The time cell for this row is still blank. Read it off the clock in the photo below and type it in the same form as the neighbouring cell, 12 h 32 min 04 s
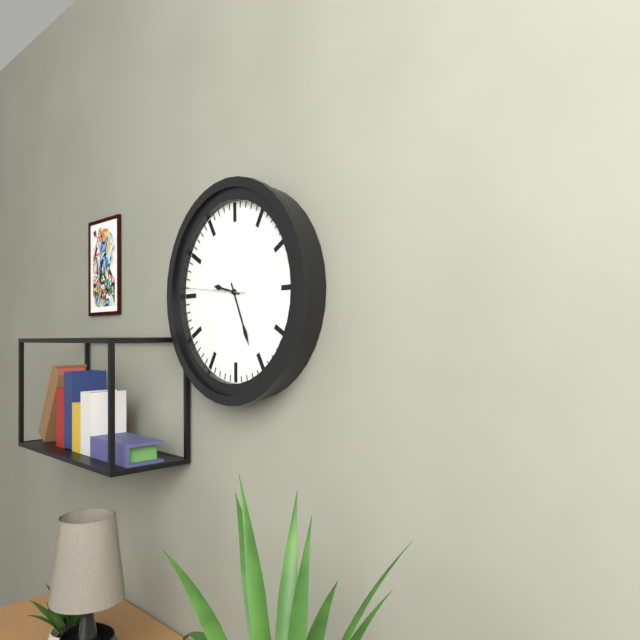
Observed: 9 h 26 min 46 s
